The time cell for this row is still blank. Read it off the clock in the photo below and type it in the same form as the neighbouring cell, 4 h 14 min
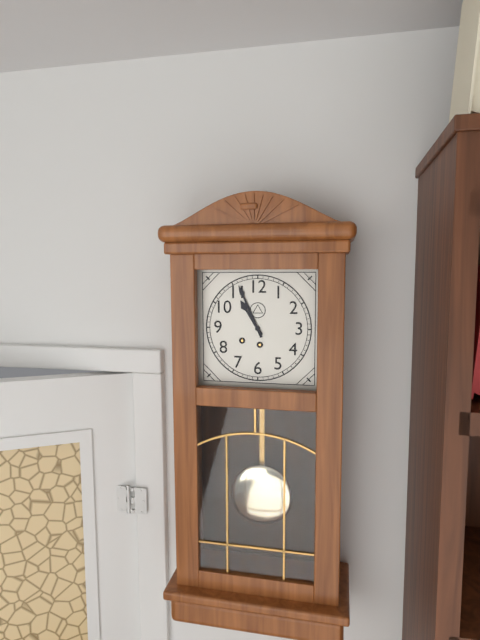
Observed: 10 h 56 min
